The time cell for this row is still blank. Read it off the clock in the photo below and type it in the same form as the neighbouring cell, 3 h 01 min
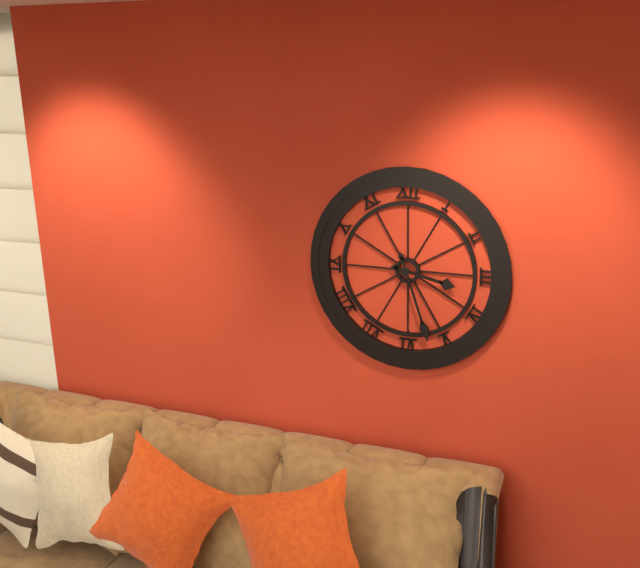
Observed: 3 h 27 min
